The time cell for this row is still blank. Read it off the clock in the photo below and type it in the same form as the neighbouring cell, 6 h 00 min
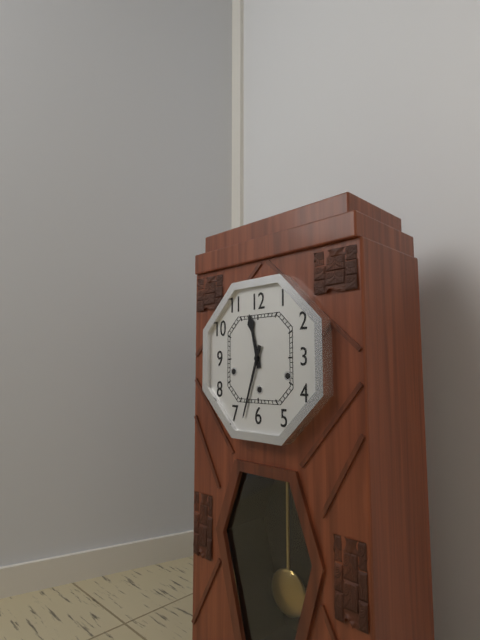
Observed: 11 h 33 min
